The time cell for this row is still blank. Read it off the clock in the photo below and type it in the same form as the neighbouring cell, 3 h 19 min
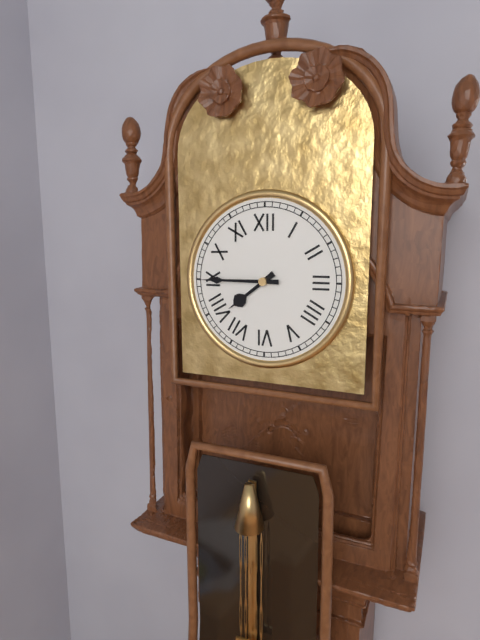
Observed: 7 h 45 min
